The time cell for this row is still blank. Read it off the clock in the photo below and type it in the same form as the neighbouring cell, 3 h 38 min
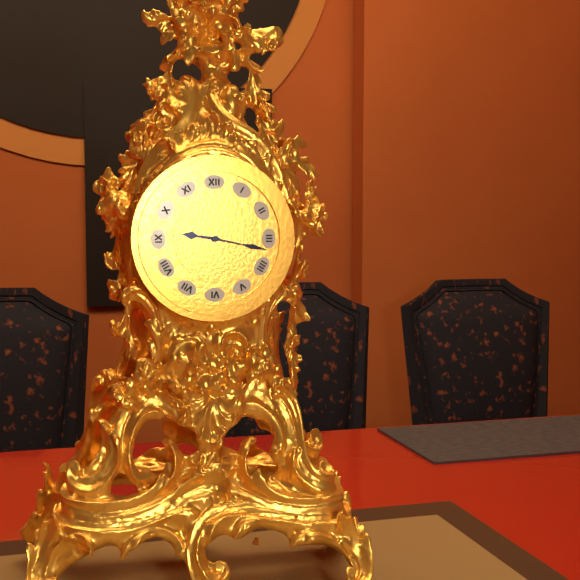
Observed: 9 h 17 min
